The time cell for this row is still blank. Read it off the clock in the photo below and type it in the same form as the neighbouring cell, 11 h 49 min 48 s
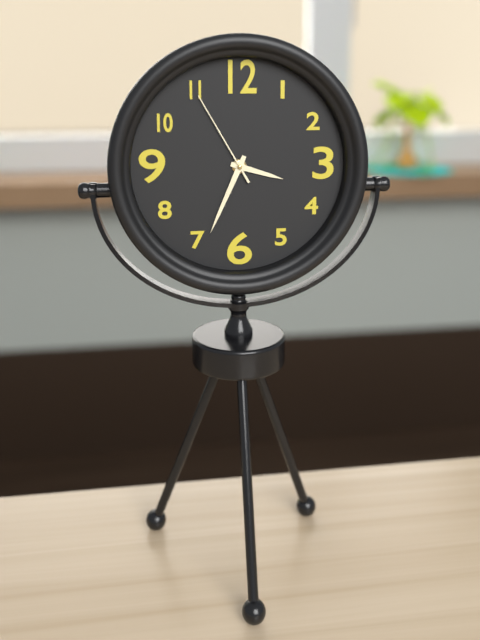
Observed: 3 h 34 min 55 s
